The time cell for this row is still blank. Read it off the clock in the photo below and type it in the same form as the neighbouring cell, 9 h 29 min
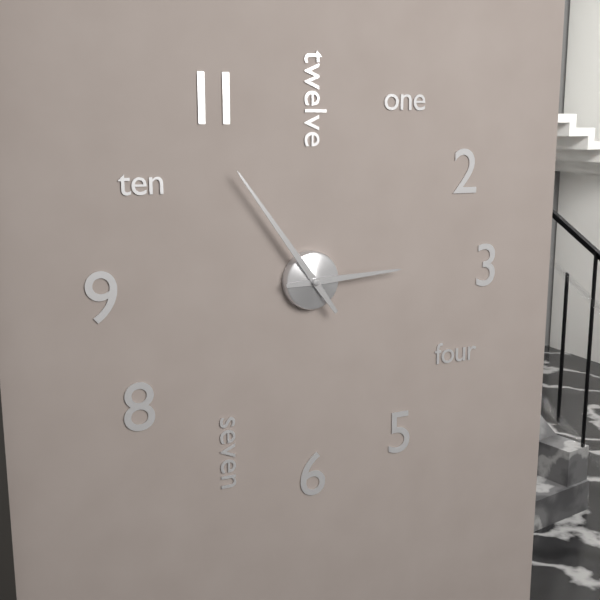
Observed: 2 h 54 min
